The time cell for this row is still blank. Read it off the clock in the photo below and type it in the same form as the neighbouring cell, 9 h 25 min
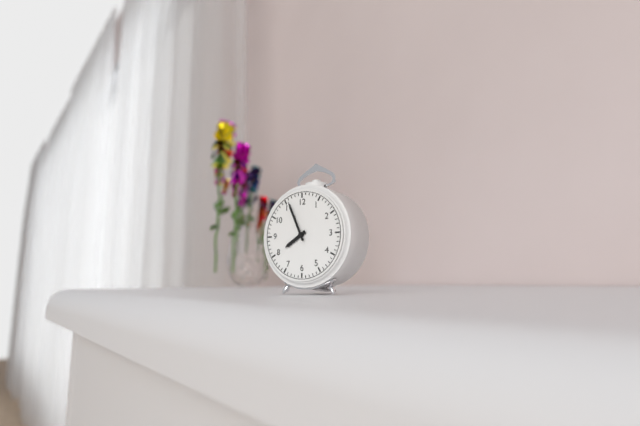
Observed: 7 h 56 min
